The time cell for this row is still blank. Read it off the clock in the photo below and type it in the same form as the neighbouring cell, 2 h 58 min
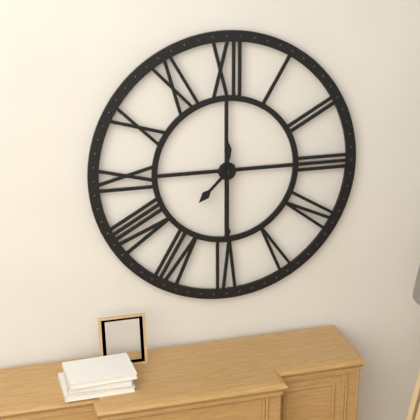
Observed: 7 h 30 min
